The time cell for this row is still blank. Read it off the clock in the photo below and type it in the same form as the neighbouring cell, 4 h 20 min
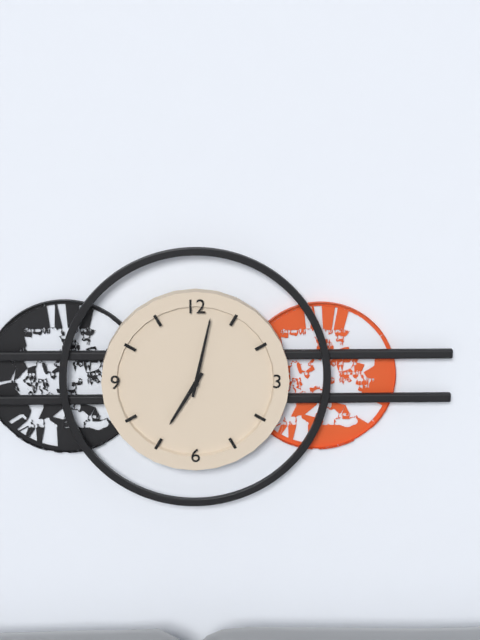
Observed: 7 h 02 min
